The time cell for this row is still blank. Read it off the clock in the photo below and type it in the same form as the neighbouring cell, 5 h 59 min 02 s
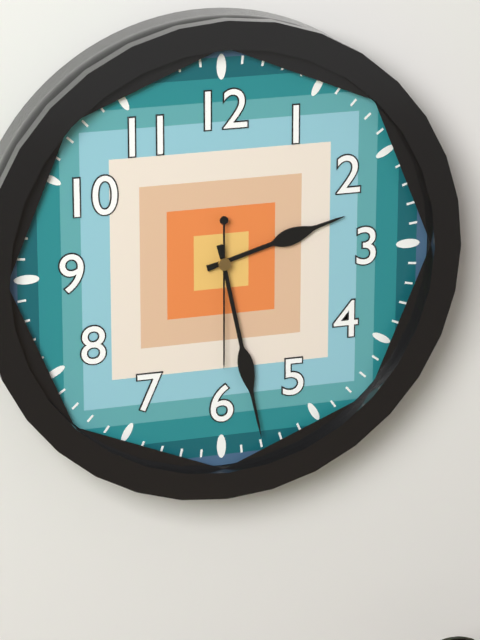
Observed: 2 h 28 min 30 s
